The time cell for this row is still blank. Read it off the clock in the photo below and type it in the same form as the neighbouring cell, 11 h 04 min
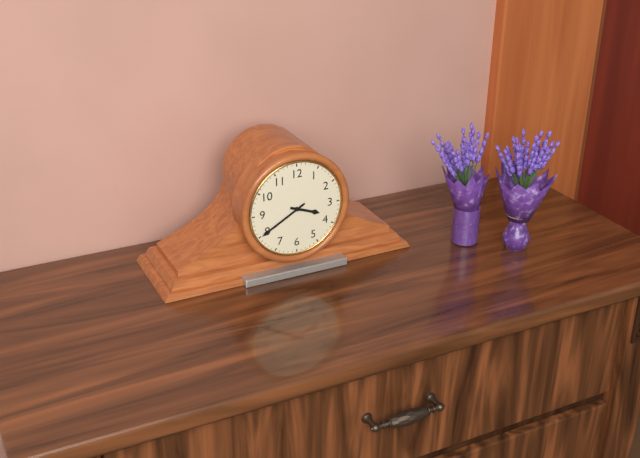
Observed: 3 h 40 min
